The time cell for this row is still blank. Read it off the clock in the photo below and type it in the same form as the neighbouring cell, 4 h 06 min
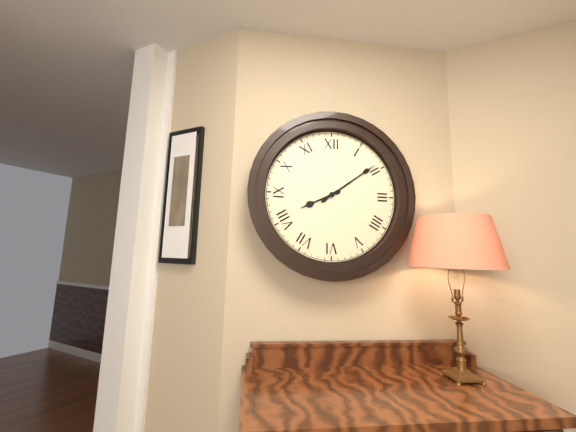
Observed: 8 h 09 min
